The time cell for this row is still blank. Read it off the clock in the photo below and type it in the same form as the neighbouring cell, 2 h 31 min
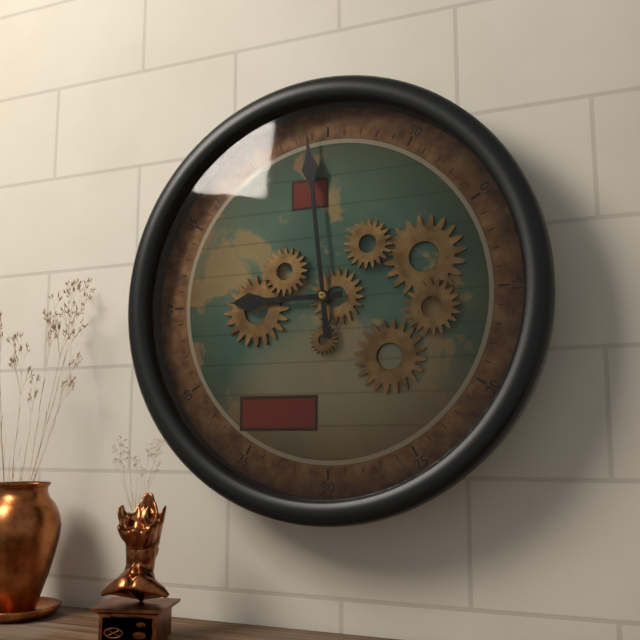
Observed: 8 h 59 min
